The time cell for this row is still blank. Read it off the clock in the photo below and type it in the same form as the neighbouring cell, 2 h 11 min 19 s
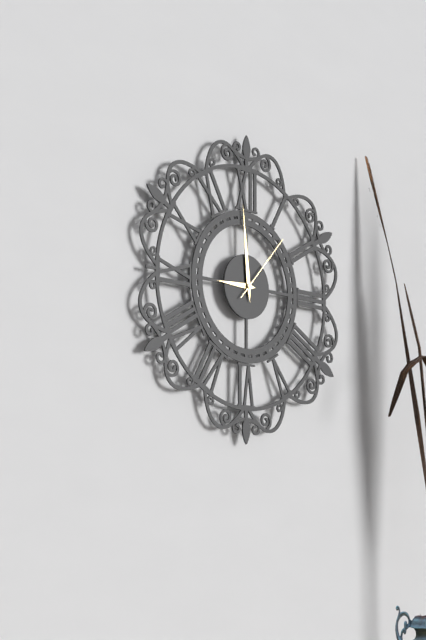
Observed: 8 h 59 min 07 s
